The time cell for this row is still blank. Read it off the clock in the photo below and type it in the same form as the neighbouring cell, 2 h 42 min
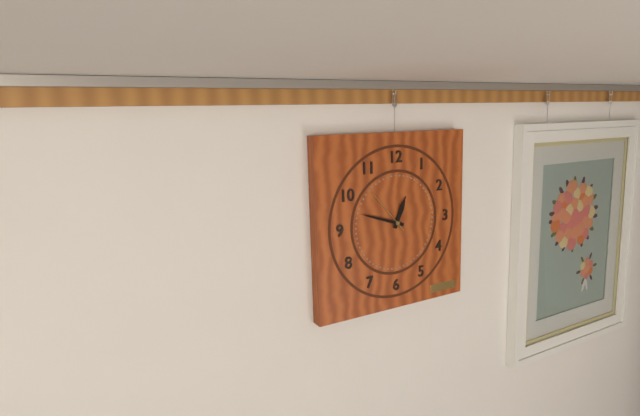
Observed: 12 h 48 min
